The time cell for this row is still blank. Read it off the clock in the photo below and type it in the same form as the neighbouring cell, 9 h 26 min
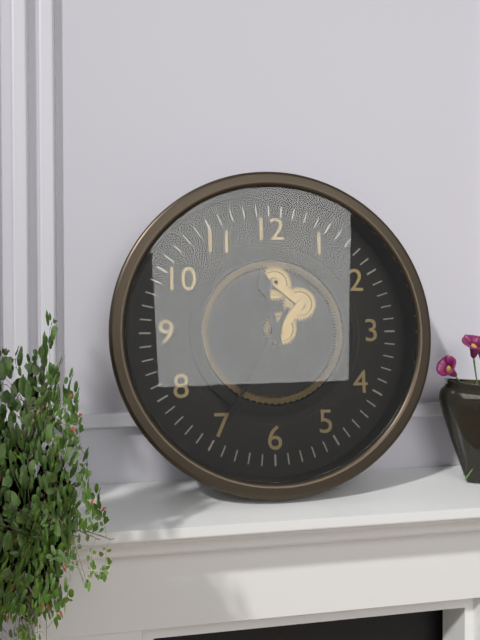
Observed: 11 h 35 min
